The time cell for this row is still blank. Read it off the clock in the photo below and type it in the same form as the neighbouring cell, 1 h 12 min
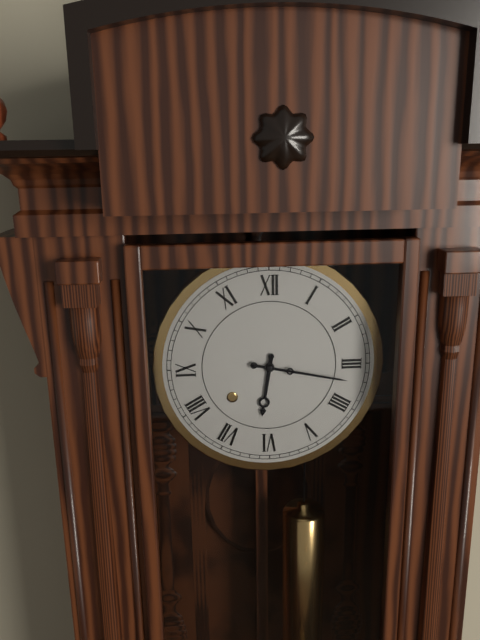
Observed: 6 h 17 min
